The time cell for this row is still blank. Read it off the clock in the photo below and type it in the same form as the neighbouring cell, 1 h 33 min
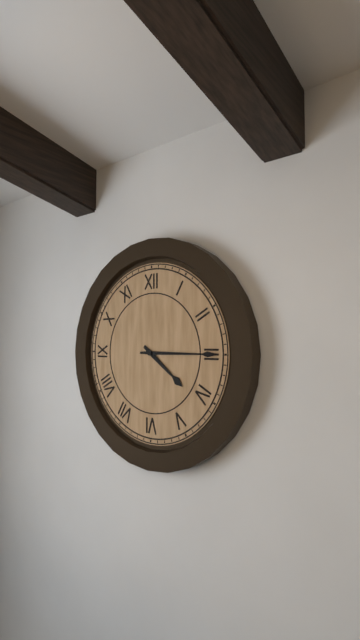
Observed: 4 h 15 min
